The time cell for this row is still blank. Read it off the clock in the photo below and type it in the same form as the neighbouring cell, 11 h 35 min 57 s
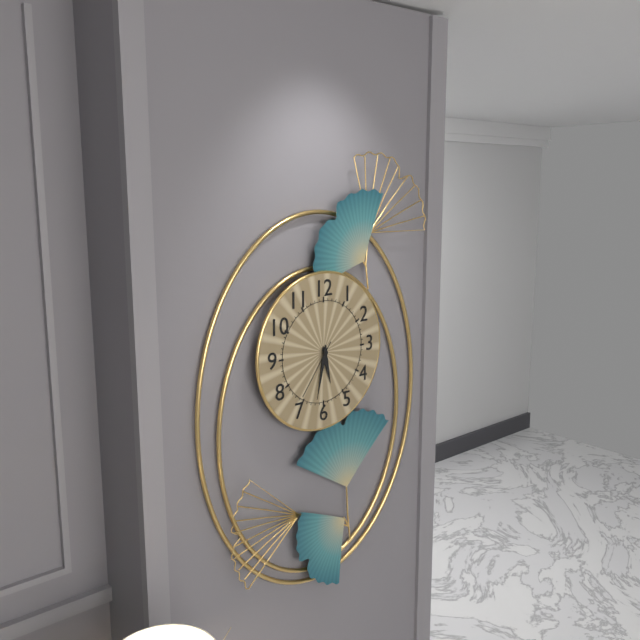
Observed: 5 h 32 min 36 s
